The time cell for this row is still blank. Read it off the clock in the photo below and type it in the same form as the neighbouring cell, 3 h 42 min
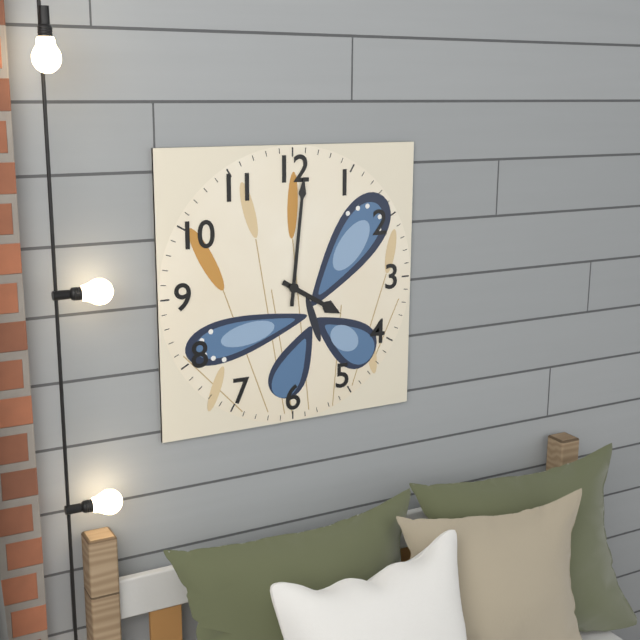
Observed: 4 h 01 min
